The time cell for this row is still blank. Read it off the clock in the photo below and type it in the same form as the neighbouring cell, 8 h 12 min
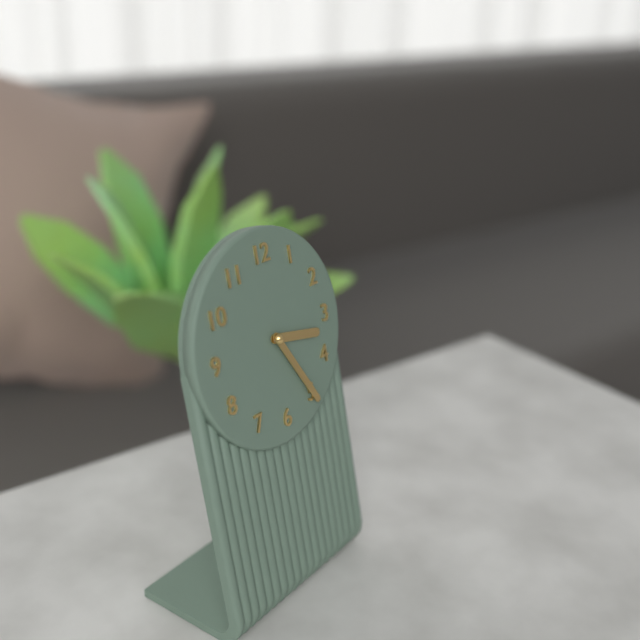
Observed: 3 h 25 min
